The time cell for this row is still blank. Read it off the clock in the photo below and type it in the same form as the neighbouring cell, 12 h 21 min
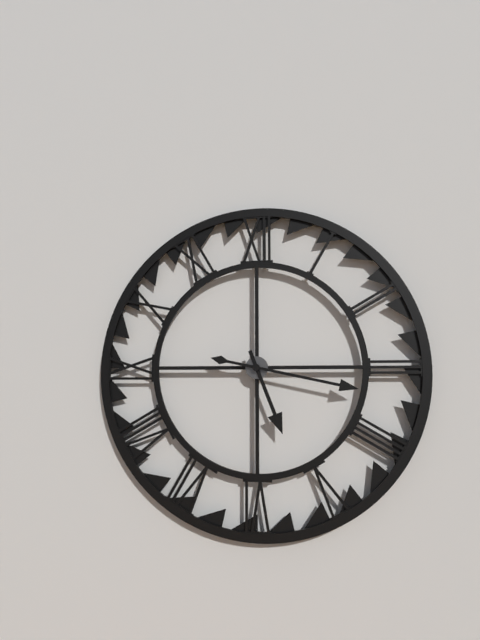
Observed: 5 h 17 min
